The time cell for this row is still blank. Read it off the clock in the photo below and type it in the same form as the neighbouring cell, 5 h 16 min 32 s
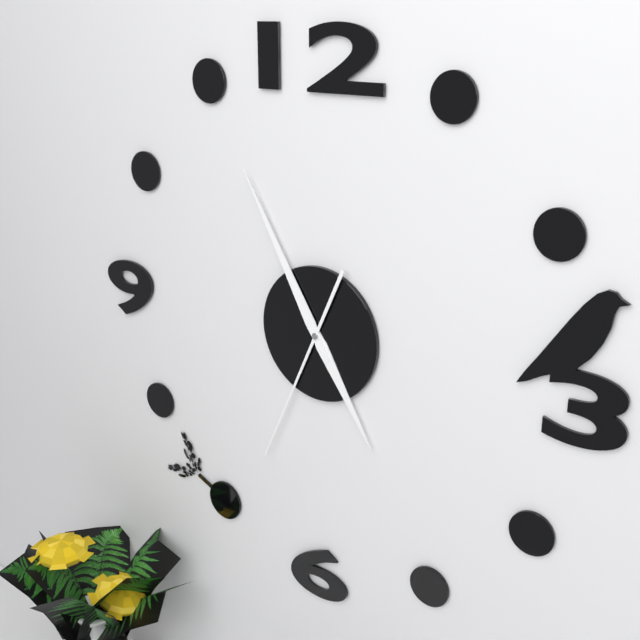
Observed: 4 h 55 min 34 s
